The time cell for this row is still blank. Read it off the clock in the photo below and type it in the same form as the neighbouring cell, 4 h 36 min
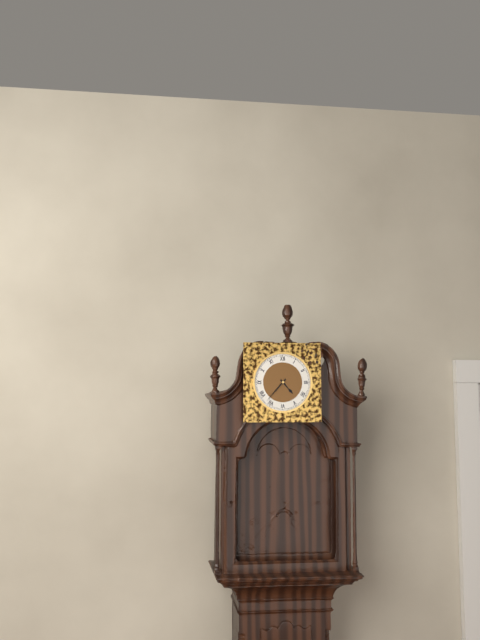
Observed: 4 h 37 min
